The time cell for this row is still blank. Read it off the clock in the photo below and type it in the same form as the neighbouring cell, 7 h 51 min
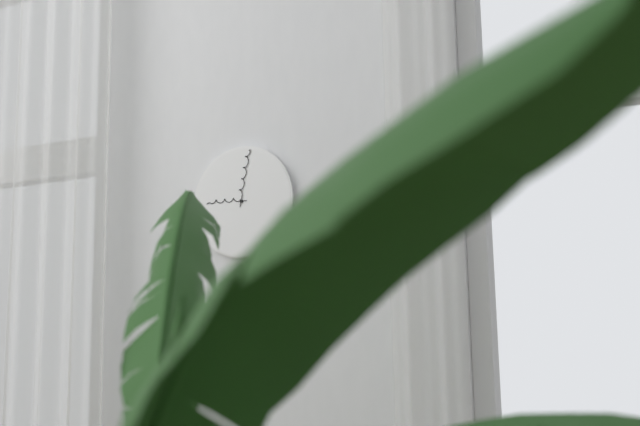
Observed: 9 h 02 min
